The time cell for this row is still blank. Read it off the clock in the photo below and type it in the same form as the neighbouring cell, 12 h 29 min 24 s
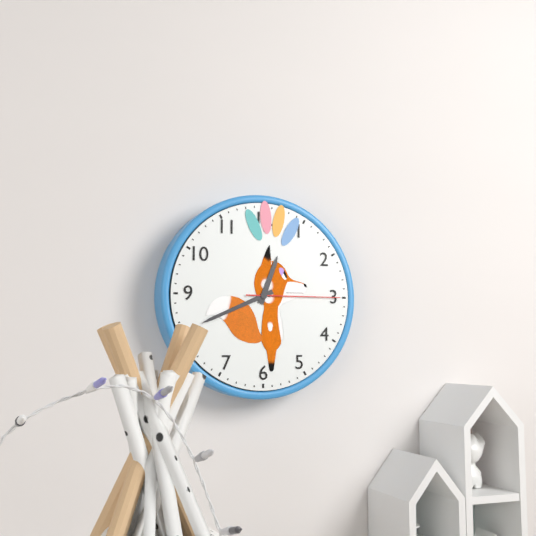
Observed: 12 h 41 min 15 s
